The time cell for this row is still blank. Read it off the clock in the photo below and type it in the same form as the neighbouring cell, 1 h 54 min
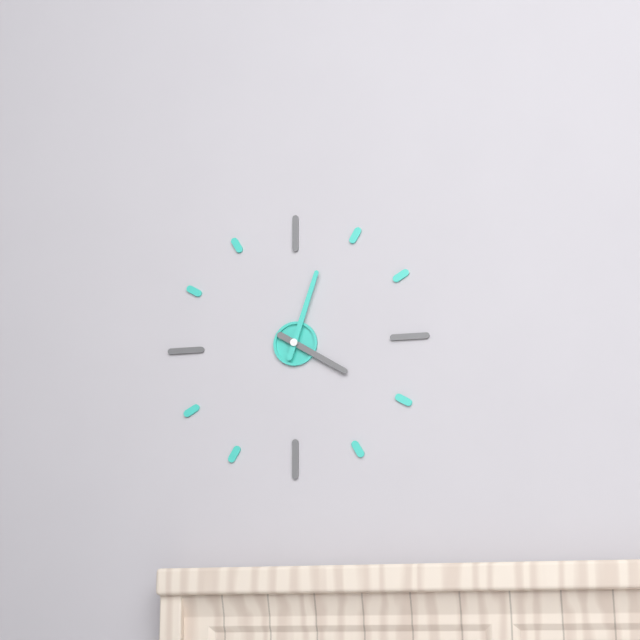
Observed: 4 h 03 min
